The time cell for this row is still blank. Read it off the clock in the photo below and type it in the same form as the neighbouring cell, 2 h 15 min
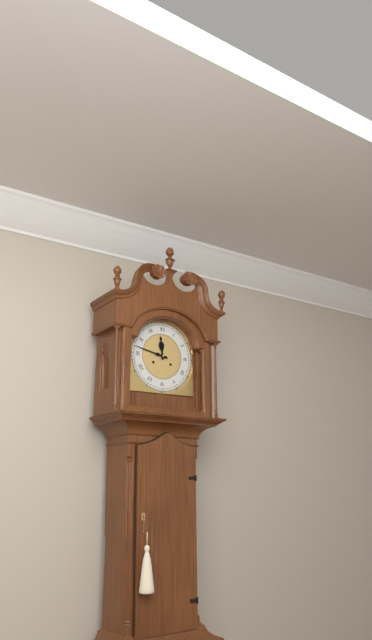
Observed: 11 h 47 min
